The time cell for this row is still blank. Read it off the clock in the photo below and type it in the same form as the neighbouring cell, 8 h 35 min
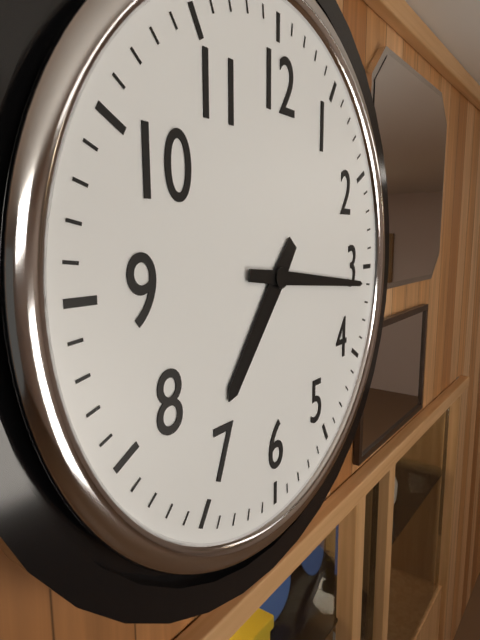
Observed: 7 h 16 min
